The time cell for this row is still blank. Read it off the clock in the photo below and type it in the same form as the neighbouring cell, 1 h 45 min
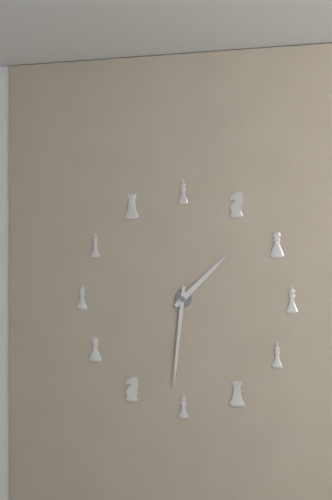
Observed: 1 h 31 min
